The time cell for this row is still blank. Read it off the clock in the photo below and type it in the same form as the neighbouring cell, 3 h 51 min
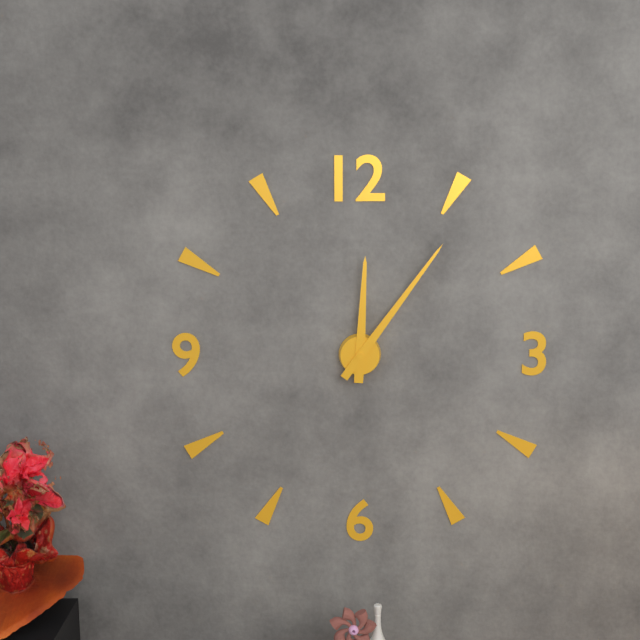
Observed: 12 h 06 min
